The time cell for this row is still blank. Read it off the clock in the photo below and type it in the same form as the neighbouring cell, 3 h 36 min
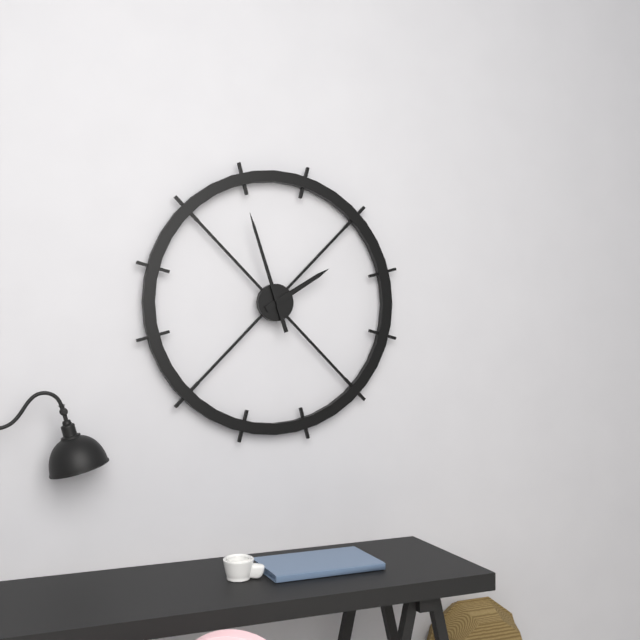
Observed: 1 h 57 min
